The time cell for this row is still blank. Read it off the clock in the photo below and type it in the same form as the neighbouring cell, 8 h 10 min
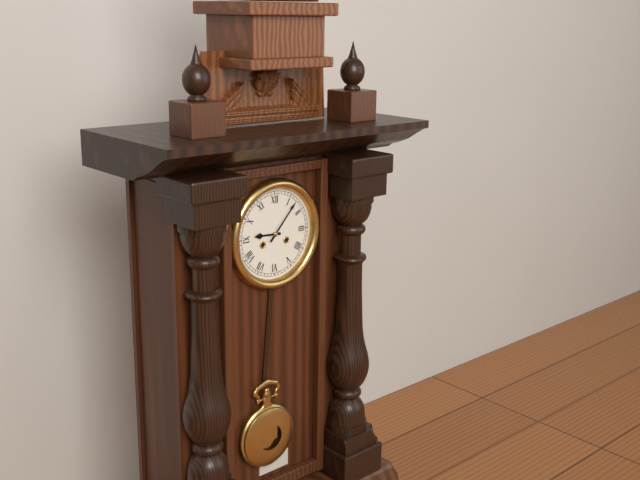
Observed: 9 h 07 min
